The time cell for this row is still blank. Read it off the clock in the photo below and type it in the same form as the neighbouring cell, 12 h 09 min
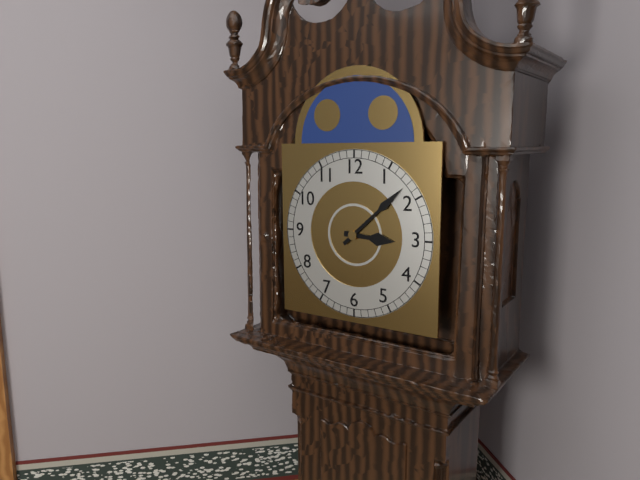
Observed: 3 h 08 min
